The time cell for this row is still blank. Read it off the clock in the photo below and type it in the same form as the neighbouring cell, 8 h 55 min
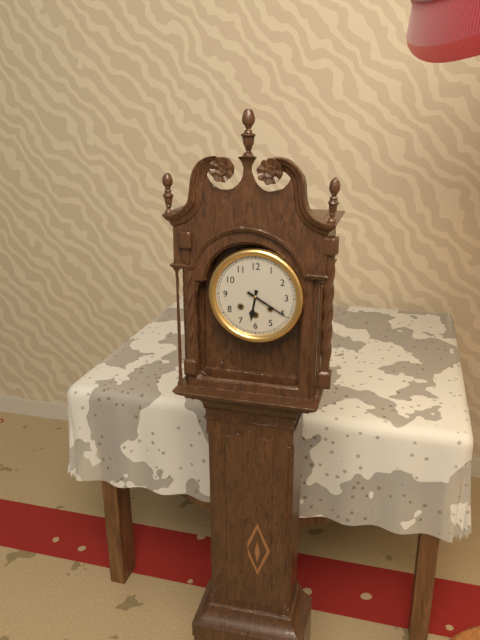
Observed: 6 h 20 min
